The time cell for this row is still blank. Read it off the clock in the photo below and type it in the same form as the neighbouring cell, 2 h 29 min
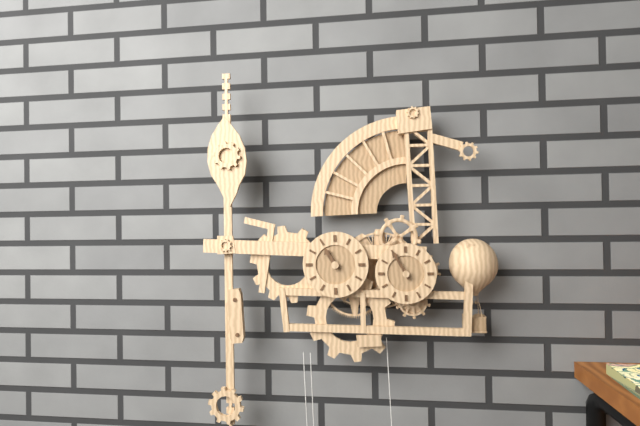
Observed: 10 h 55 min
